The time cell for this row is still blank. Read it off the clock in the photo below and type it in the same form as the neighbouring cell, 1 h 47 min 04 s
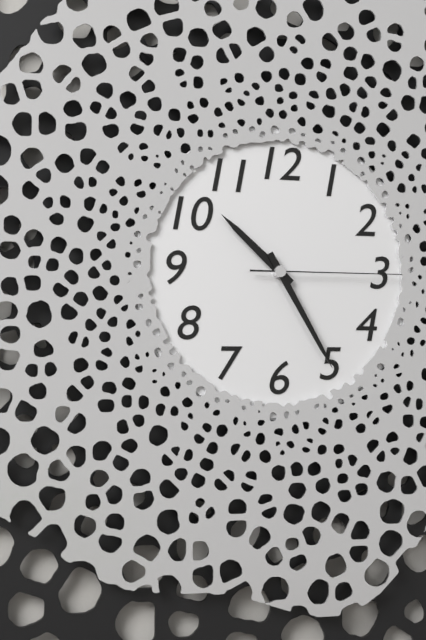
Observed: 10 h 25 min 15 s
